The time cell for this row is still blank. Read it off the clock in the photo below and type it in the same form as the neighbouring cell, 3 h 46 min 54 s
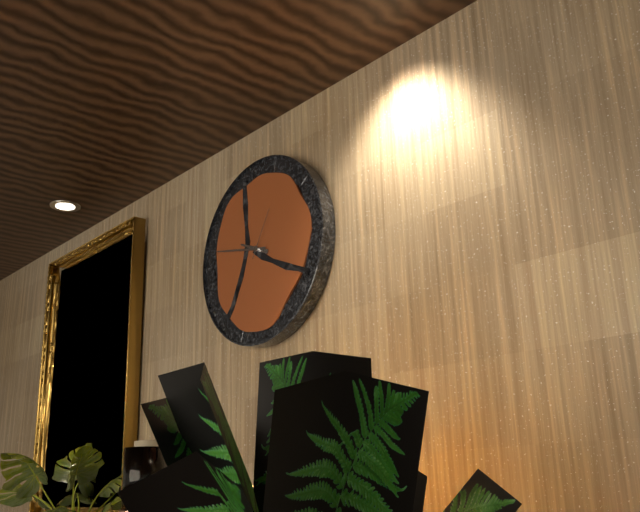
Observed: 9 h 47 min 05 s
